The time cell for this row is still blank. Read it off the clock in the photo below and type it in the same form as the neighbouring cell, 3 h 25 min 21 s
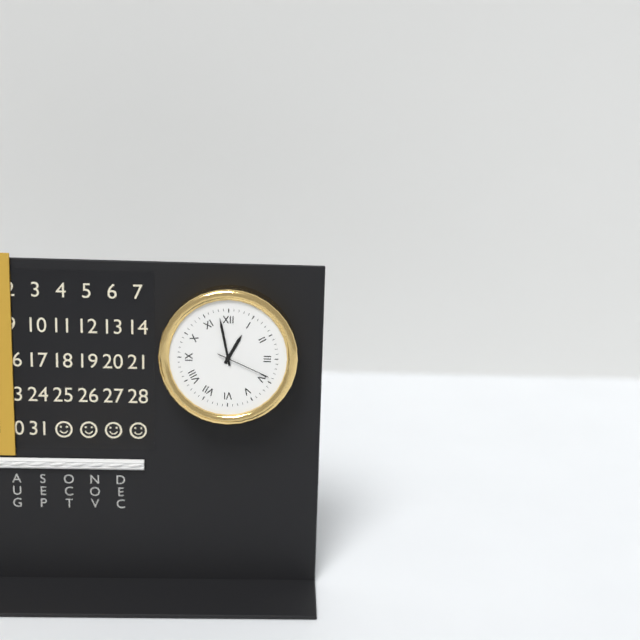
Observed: 12 h 58 min 19 s
